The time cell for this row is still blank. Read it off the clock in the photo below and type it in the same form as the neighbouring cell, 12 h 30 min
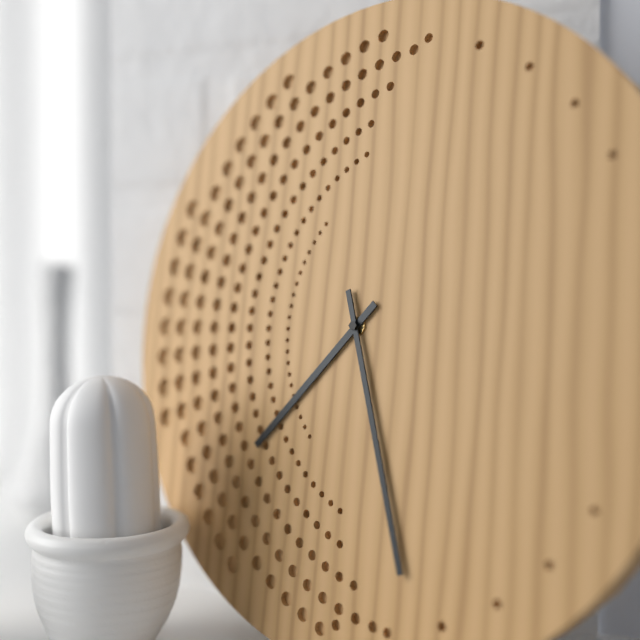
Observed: 7 h 27 min
